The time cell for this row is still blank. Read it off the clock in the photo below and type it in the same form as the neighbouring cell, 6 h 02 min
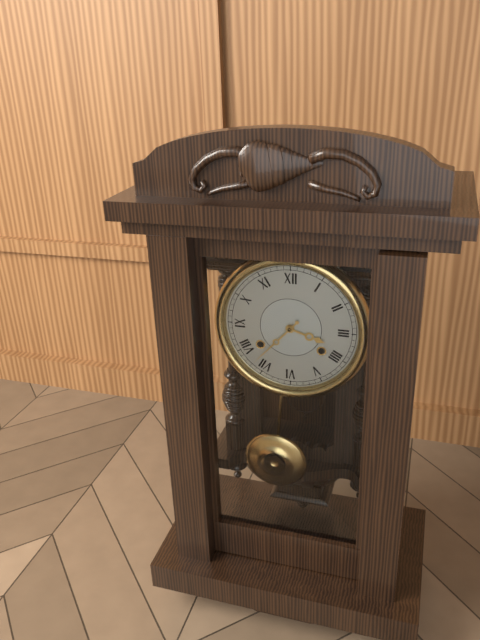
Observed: 3 h 37 min
